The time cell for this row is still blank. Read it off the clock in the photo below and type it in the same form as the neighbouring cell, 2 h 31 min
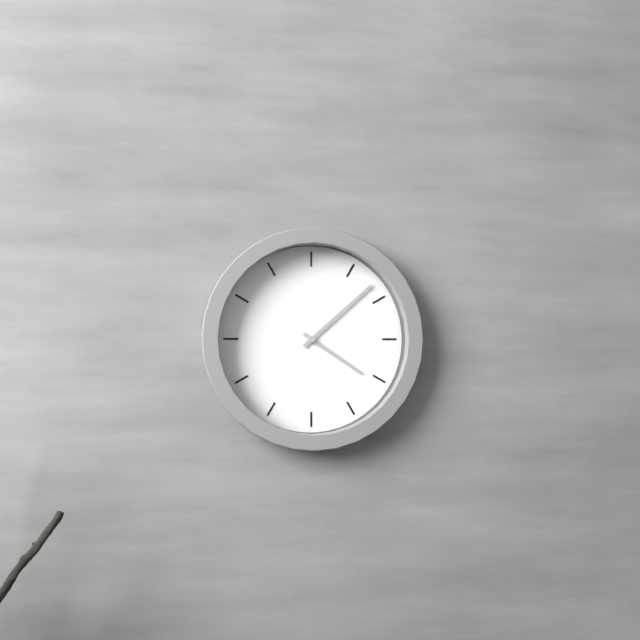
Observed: 4 h 08 min
